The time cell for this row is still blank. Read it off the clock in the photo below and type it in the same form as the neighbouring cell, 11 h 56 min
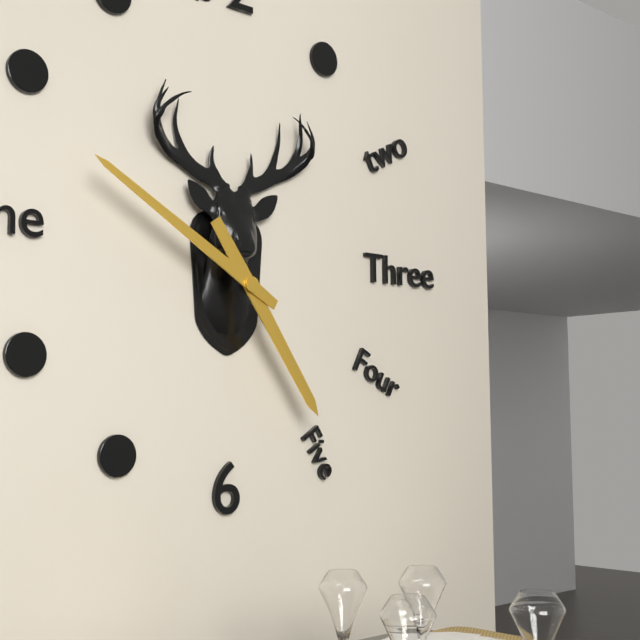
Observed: 4 h 50 min
